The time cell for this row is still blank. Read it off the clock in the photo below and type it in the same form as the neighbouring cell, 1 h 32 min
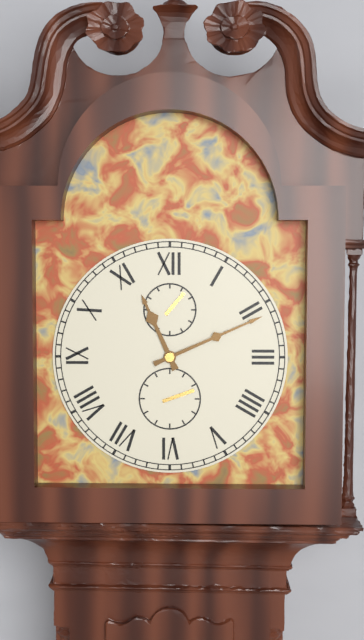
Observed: 11 h 11 min
